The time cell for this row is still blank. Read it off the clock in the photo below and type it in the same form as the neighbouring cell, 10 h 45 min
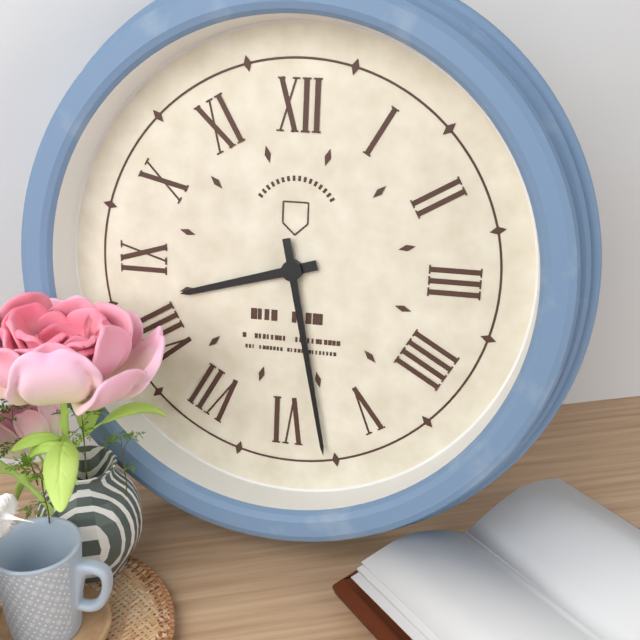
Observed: 8 h 28 min
